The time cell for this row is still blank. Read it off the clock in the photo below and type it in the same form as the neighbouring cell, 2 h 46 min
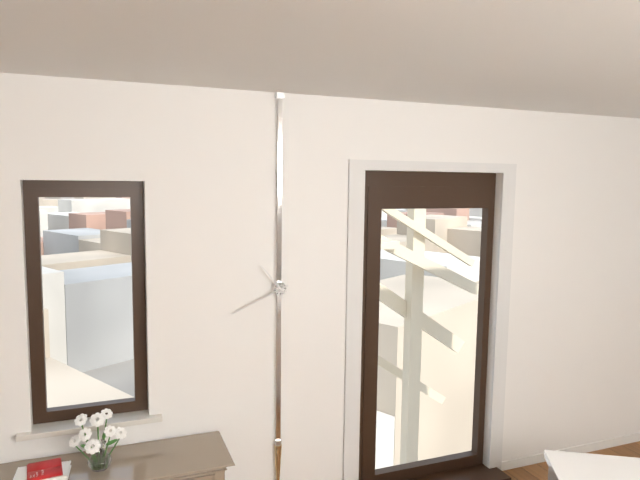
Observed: 10 h 41 min
